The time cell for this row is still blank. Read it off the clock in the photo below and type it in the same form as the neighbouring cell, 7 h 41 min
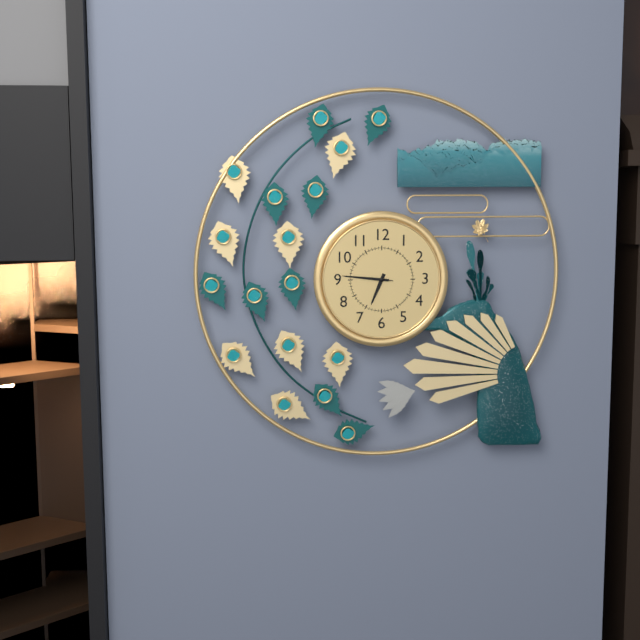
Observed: 6 h 46 min
